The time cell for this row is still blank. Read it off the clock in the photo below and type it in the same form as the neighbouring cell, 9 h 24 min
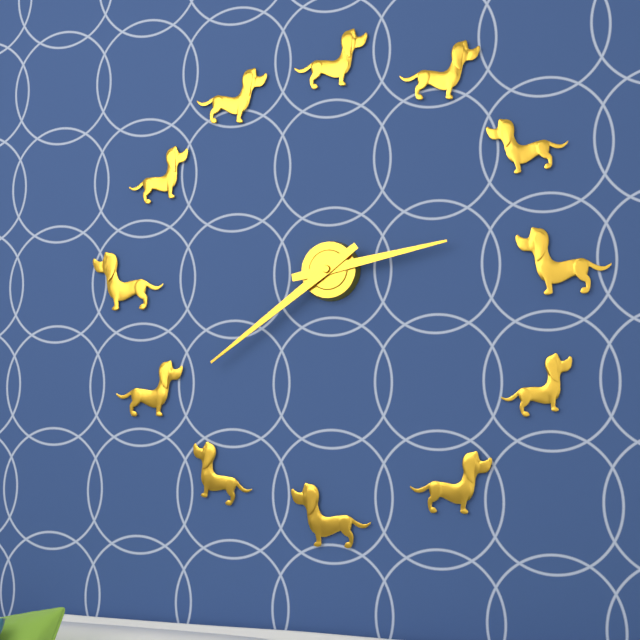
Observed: 2 h 39 min
